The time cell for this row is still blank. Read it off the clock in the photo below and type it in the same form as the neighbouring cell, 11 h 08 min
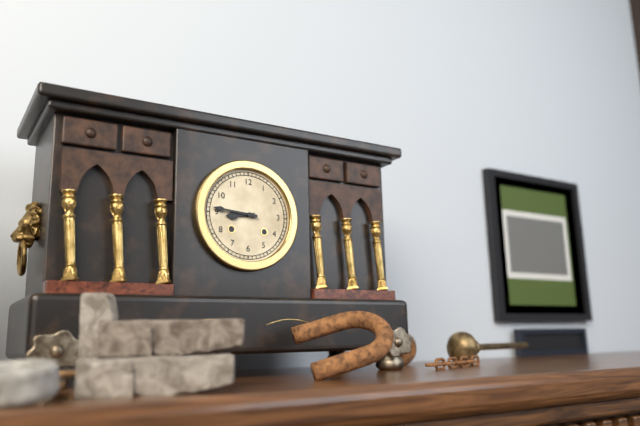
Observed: 8 h 46 min
